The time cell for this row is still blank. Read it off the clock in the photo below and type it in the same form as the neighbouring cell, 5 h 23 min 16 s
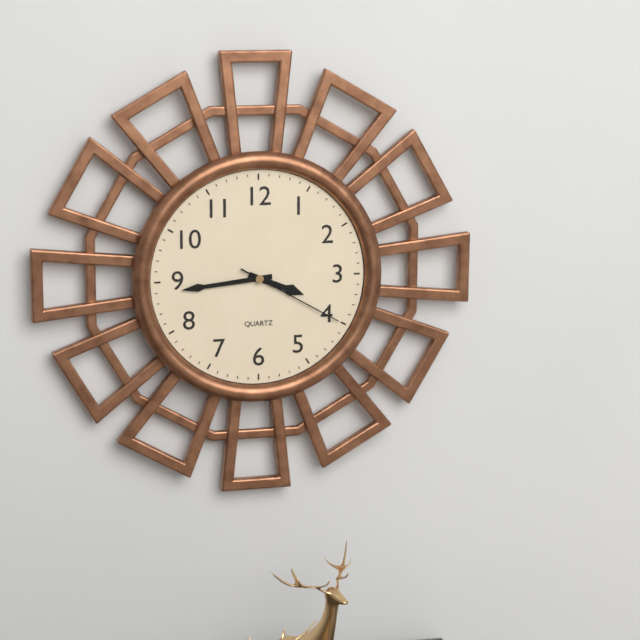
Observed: 3 h 44 min 20 s
